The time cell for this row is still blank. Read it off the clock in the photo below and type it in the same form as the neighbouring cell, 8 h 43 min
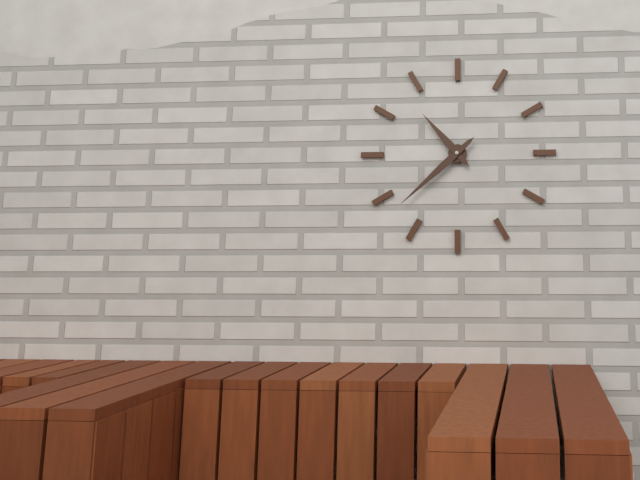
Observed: 10 h 38 min
